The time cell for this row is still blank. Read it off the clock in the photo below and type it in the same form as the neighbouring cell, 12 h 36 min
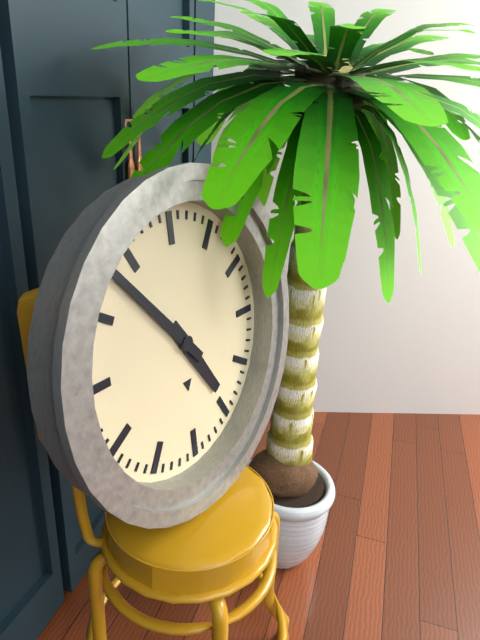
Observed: 4 h 53 min
